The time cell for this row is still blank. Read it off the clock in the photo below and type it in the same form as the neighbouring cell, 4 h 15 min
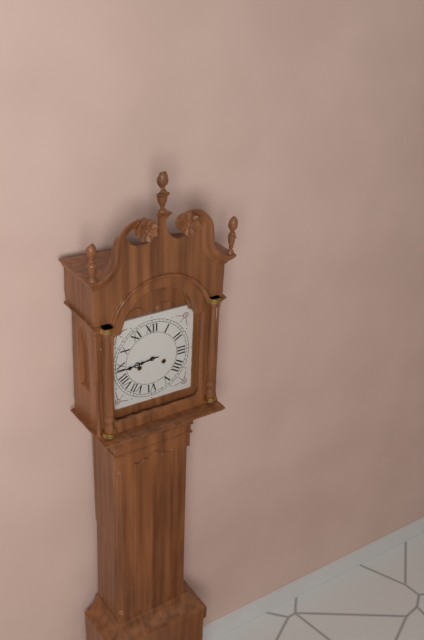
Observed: 8 h 44 min
